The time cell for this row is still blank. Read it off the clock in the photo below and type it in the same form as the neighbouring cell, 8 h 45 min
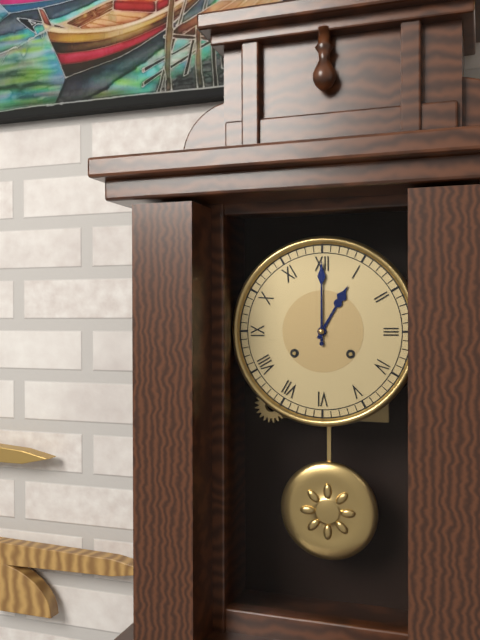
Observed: 1 h 00 min
